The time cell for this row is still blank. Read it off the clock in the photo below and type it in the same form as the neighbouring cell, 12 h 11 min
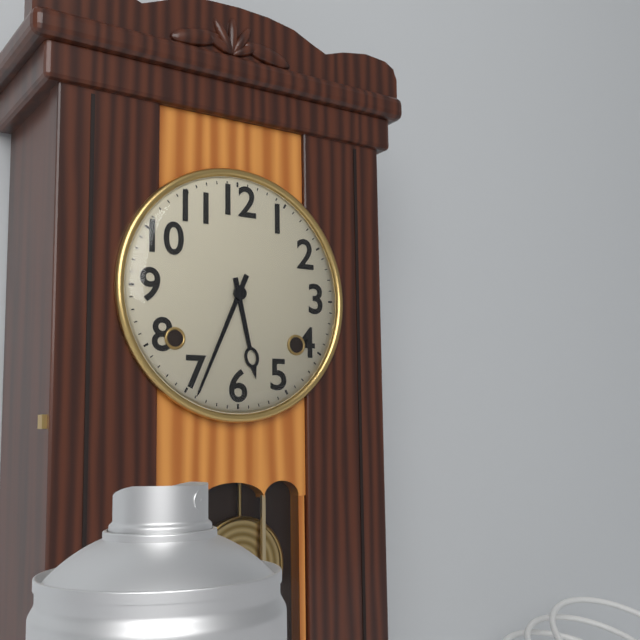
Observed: 5 h 34 min
